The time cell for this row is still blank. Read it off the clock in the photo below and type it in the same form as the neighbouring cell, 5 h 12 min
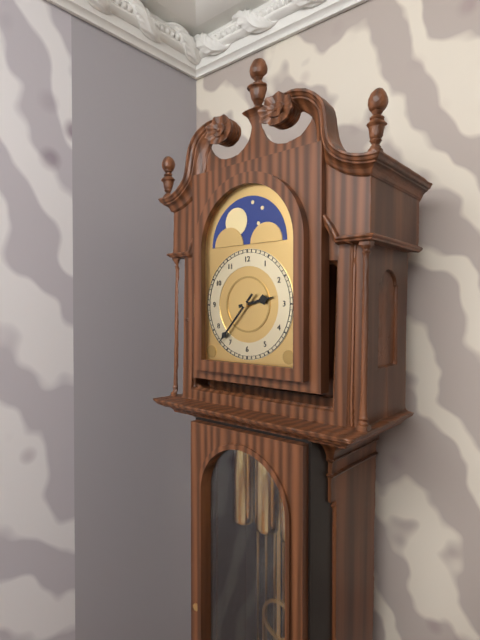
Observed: 2 h 37 min
